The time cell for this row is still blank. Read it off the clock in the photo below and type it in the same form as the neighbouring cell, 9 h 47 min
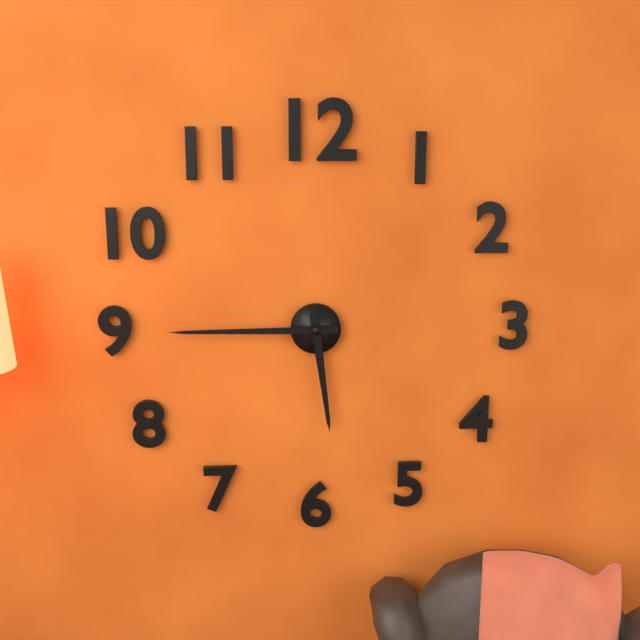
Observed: 5 h 45 min
